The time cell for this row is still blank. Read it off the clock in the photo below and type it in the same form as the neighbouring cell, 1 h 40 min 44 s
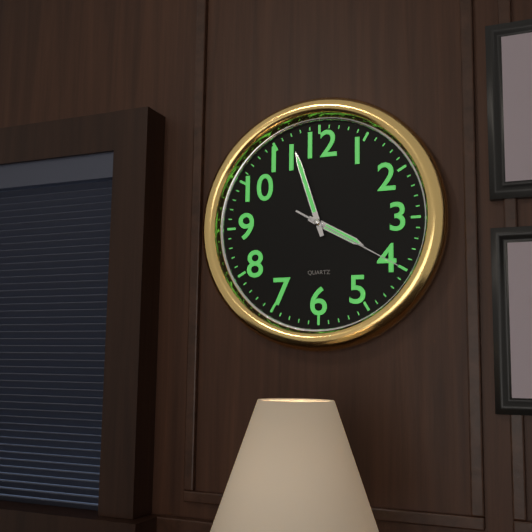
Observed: 3 h 57 min 20 s
